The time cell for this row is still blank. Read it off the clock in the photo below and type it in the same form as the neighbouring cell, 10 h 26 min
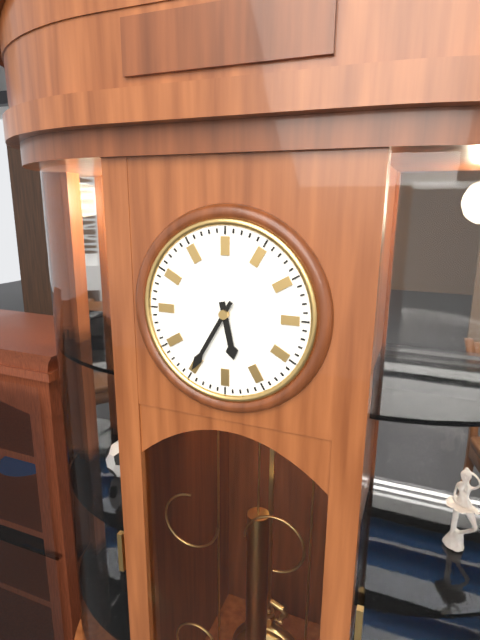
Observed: 5 h 35 min
